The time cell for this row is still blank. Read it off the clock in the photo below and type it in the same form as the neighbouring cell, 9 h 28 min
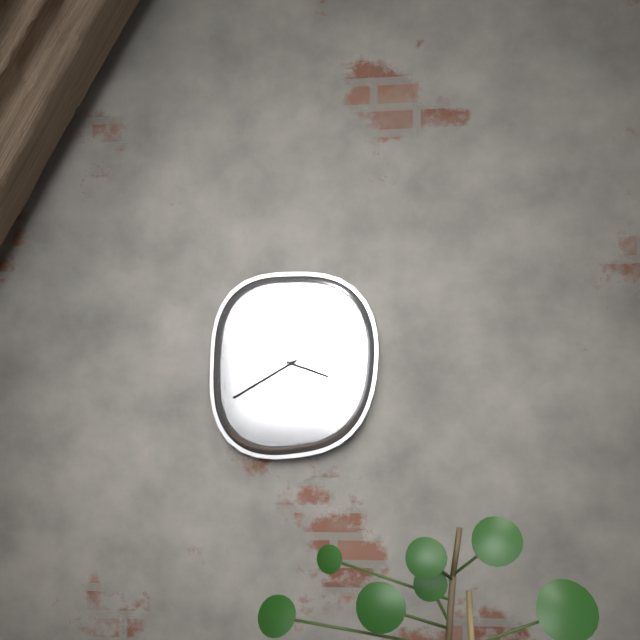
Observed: 3 h 40 min
